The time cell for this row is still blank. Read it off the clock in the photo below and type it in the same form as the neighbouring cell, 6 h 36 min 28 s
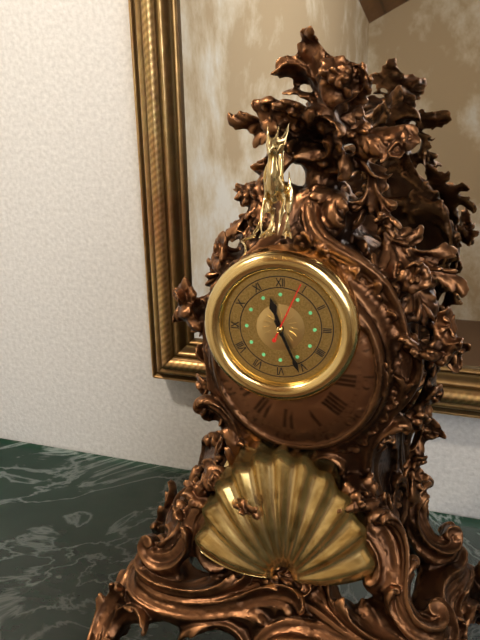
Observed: 11 h 26 min 04 s
